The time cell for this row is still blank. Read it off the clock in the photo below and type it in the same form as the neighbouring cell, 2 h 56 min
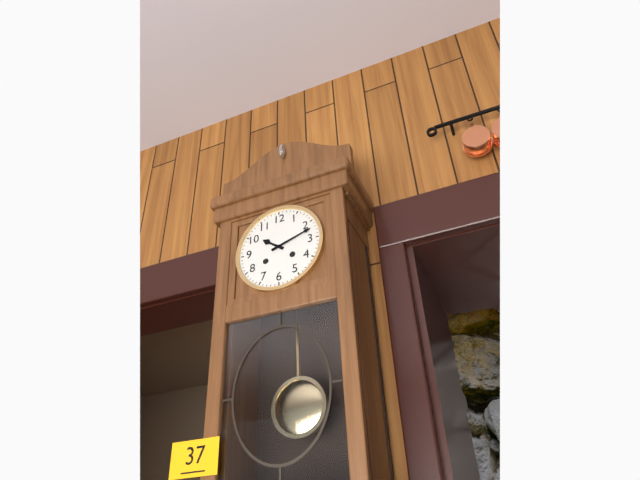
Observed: 10 h 12 min
